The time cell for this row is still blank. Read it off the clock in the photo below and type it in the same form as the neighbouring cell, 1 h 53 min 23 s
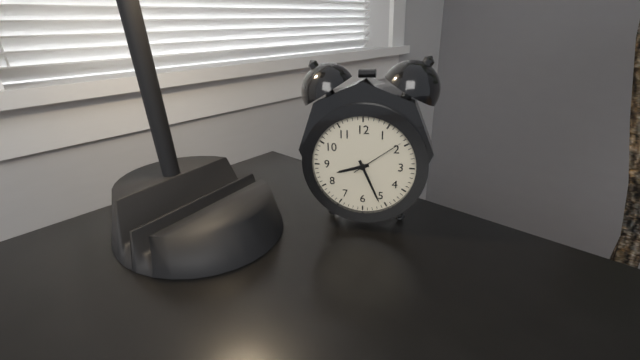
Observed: 8 h 26 min 09 s
